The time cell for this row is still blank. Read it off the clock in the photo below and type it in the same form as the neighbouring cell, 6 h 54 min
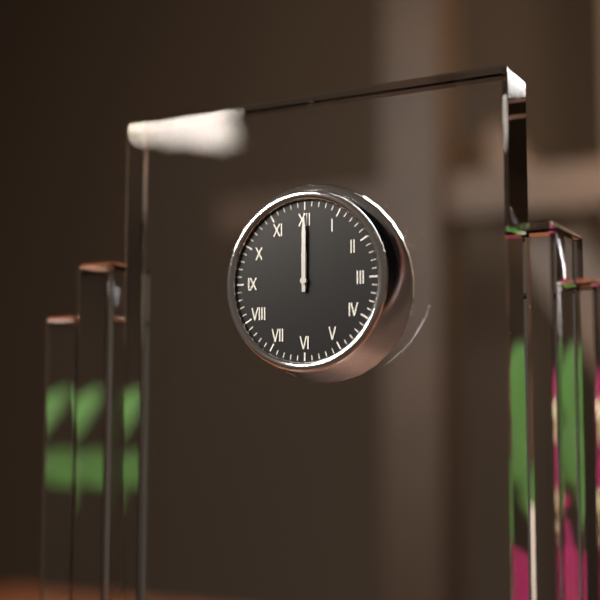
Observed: 12 h 00 min
